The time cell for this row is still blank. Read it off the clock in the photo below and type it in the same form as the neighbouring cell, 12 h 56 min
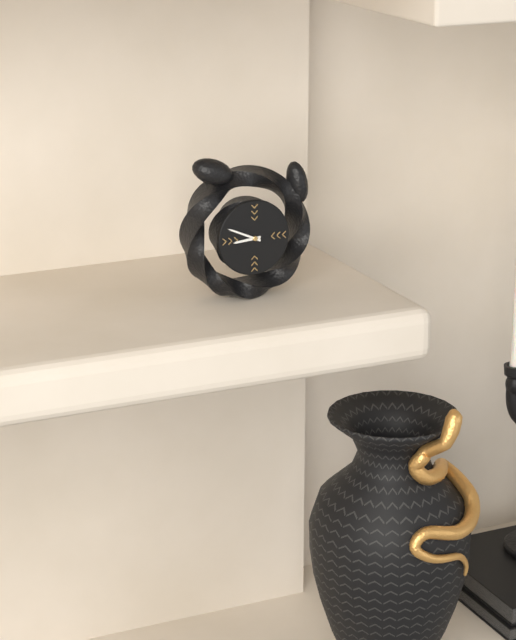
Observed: 8 h 49 min
